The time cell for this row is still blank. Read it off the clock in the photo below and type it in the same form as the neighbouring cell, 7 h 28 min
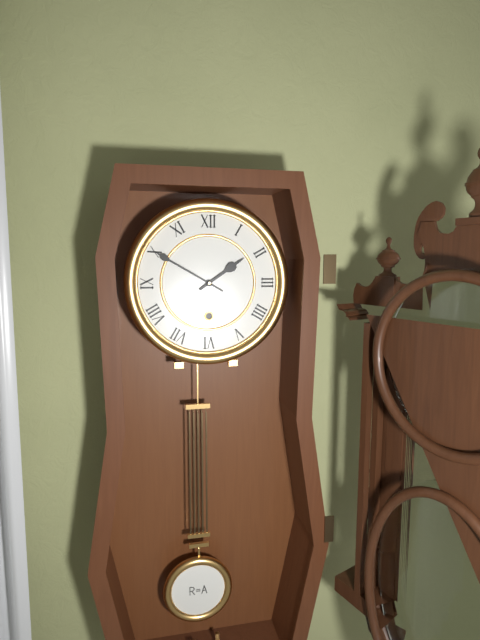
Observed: 1 h 50 min
